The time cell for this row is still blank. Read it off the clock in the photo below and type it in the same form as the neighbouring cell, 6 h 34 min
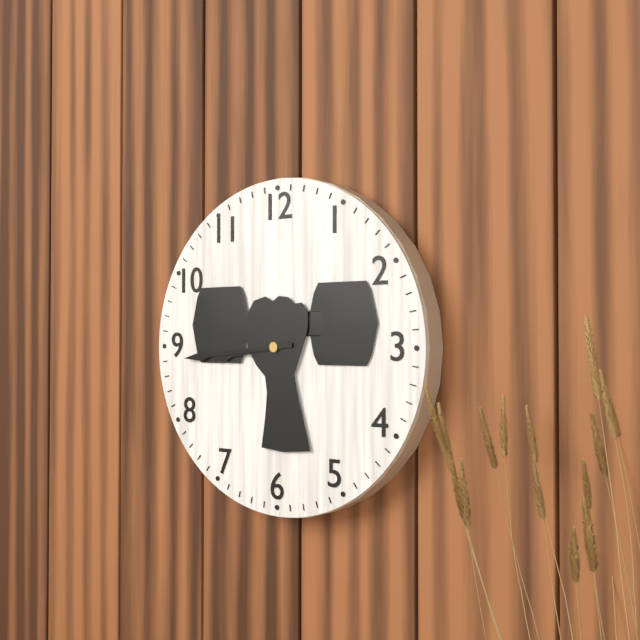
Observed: 8 h 44 min
